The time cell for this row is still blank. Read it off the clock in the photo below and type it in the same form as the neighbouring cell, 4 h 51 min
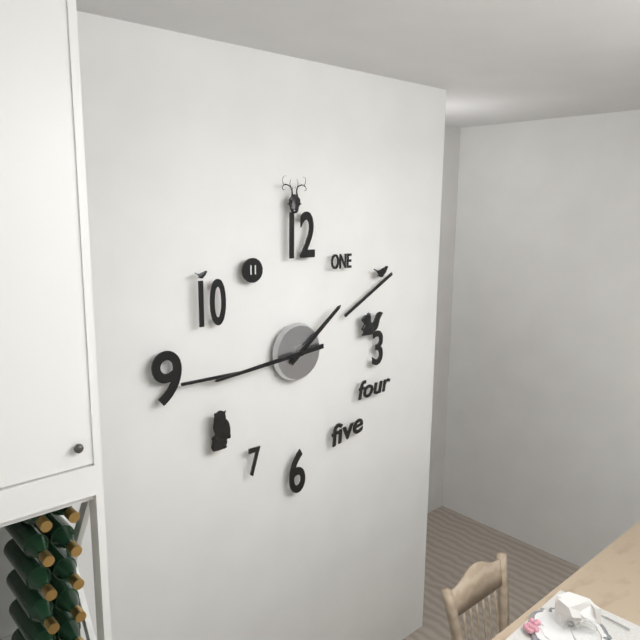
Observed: 1 h 44 min
